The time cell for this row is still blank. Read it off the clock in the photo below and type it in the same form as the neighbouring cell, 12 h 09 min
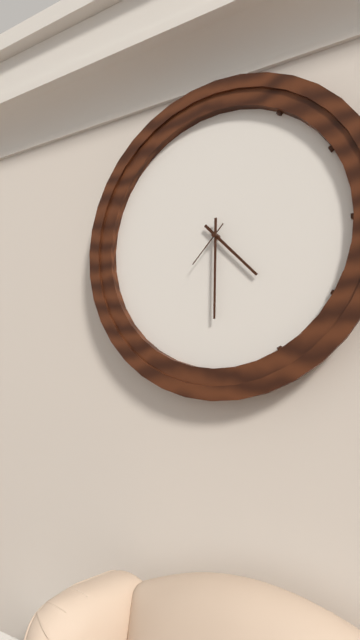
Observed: 4 h 30 min
